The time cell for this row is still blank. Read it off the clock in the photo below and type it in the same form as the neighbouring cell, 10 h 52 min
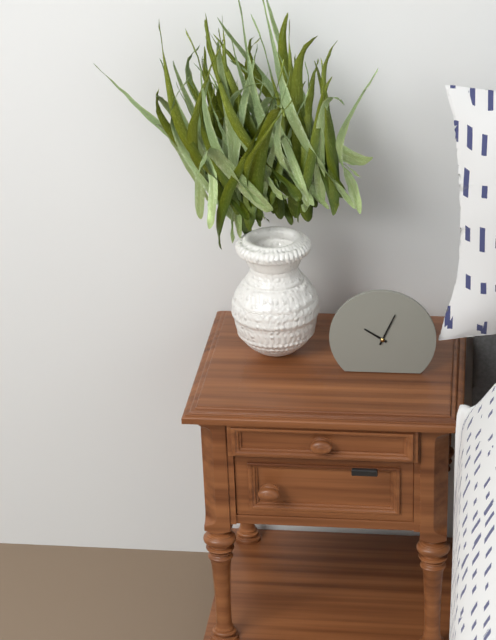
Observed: 10 h 04 min
